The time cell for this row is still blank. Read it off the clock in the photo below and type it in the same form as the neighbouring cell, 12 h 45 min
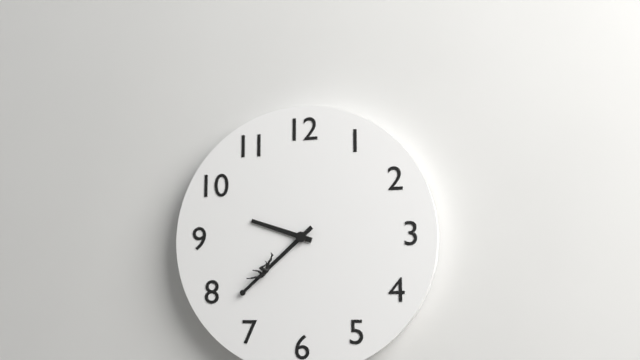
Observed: 9 h 38 min
